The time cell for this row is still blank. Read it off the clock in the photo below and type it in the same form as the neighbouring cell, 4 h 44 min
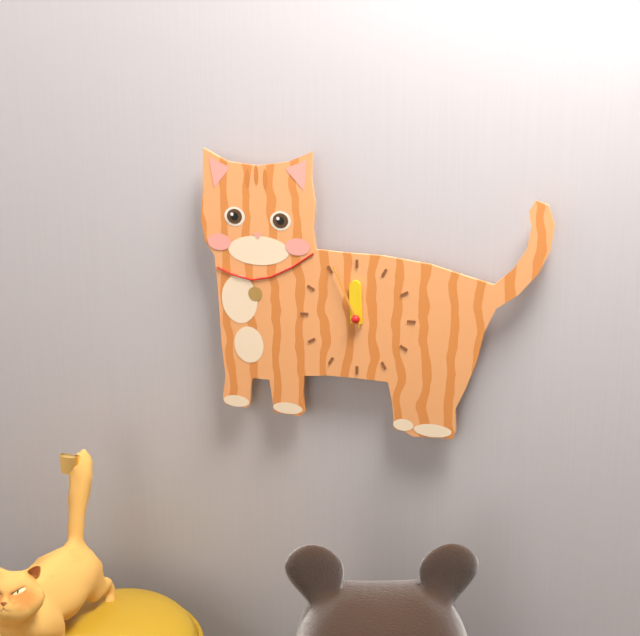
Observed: 11 h 56 min
